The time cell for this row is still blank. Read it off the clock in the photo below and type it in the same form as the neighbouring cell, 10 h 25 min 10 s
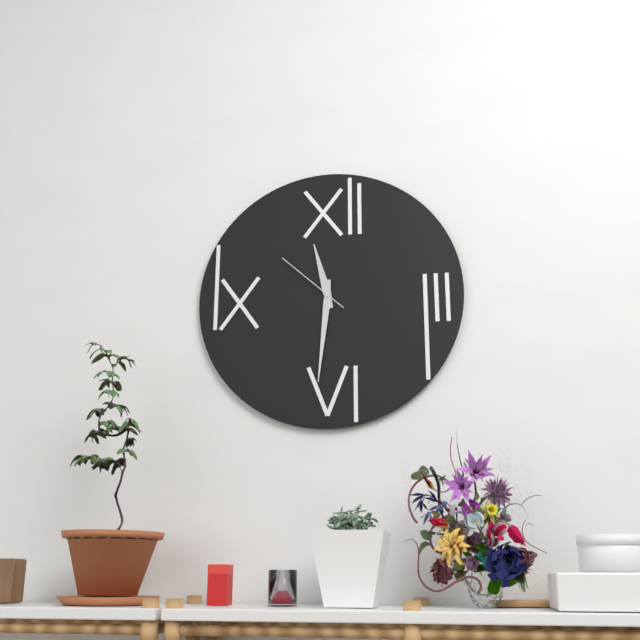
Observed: 11 h 31 min 52 s
